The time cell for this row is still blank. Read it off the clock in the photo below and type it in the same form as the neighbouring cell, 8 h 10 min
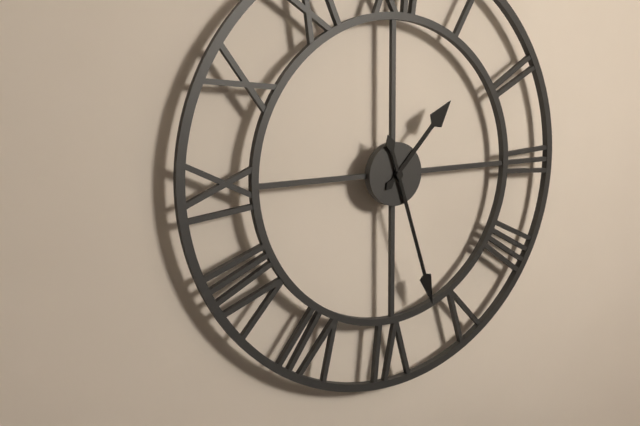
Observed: 1 h 27 min
